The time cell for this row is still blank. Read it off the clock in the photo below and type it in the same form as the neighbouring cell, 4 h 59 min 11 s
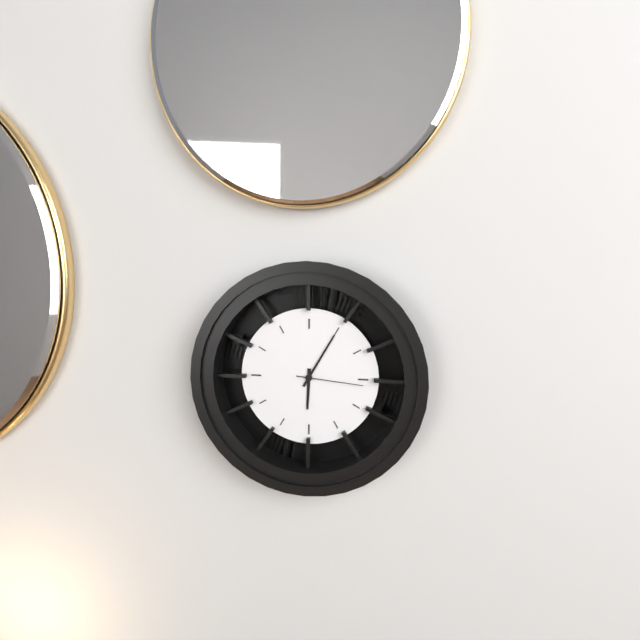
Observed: 6 h 05 min 16 s
